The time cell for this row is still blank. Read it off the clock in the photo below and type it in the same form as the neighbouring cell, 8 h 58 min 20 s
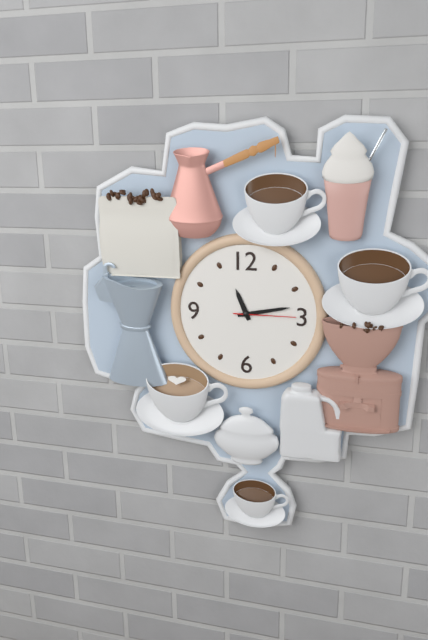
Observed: 11 h 13 min 15 s
